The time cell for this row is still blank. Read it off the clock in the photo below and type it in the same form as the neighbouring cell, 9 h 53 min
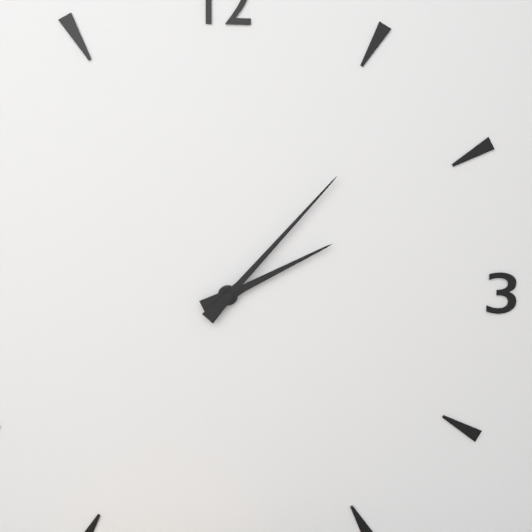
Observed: 2 h 07 min
